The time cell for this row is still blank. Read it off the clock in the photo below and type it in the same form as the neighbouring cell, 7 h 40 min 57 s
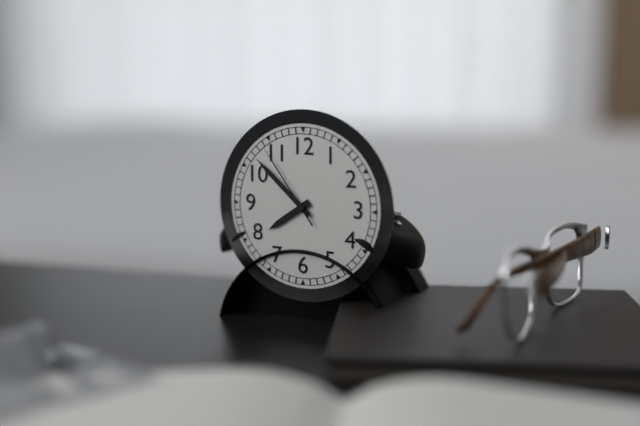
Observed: 7 h 52 min 54 s
